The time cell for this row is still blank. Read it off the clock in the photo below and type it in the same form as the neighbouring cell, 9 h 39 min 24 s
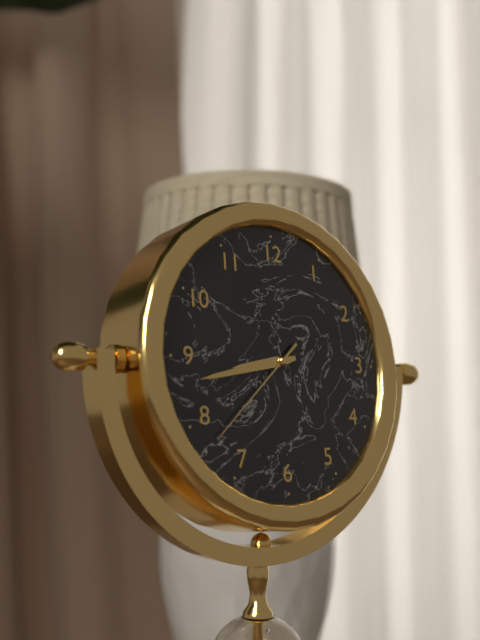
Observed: 8 h 43 min 38 s
